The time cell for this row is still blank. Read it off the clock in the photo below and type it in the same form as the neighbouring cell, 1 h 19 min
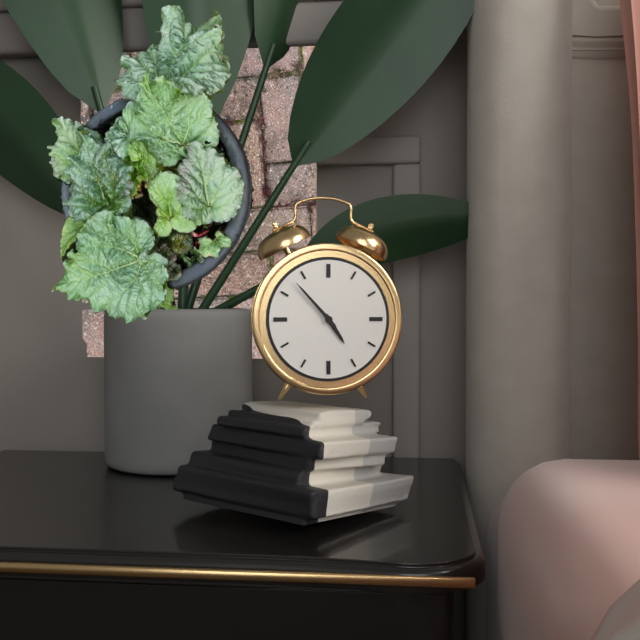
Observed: 4 h 53 min
